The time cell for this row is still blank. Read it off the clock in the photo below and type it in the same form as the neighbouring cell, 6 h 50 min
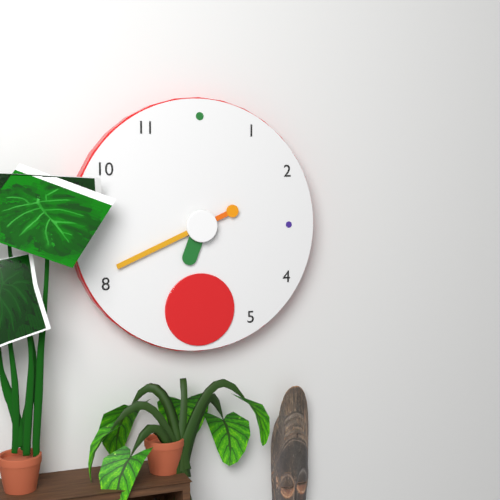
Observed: 6 h 41 min
